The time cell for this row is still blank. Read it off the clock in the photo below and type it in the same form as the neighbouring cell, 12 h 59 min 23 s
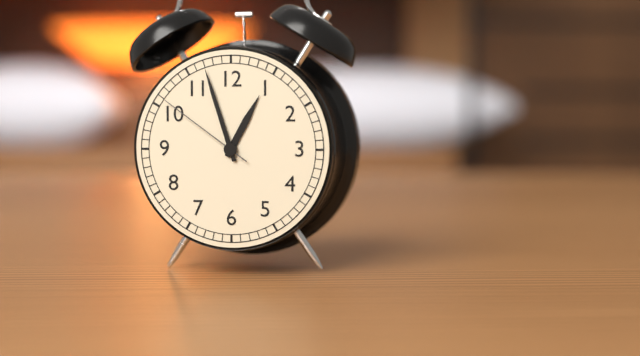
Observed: 12 h 57 min 51 s
